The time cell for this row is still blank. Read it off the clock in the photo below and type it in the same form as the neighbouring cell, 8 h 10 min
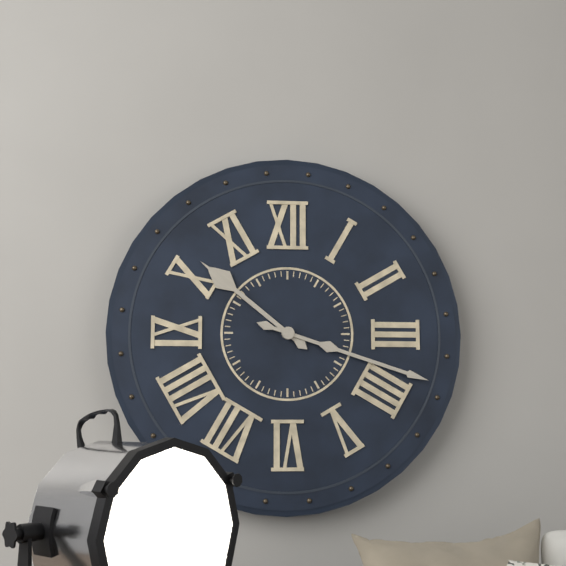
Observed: 10 h 18 min
